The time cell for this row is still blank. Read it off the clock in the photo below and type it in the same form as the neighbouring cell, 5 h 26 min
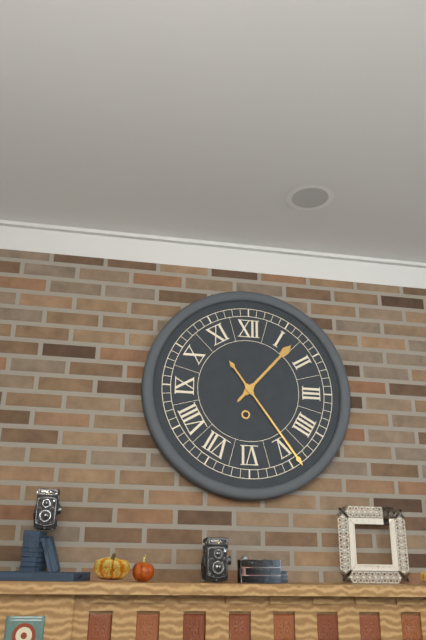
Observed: 1 h 24 min
